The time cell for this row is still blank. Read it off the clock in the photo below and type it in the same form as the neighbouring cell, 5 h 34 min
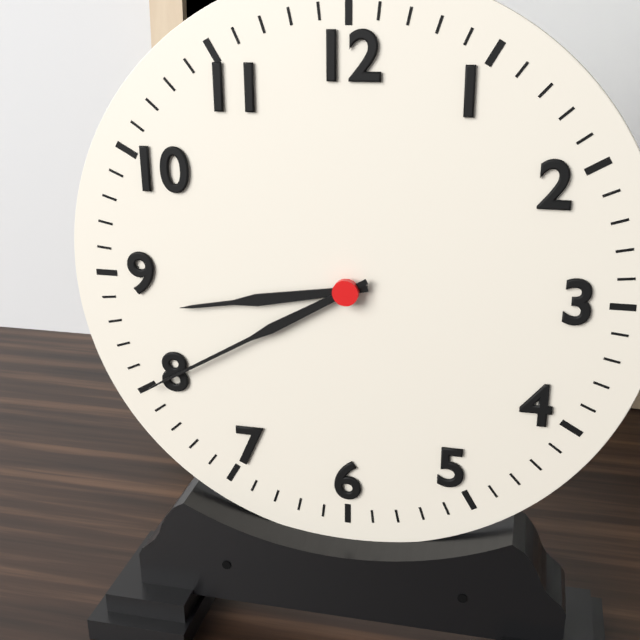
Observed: 8 h 40 min
